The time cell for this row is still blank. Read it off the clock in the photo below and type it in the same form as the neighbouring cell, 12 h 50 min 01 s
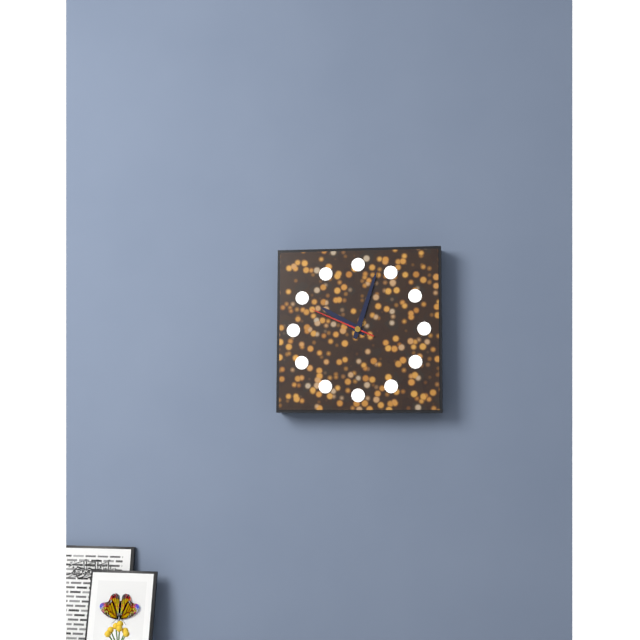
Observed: 10 h 03 min 49 s
